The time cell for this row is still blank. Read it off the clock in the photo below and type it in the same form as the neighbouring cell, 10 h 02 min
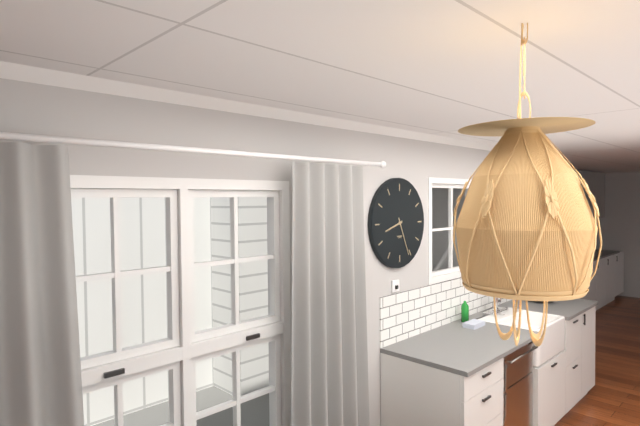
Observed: 8 h 26 min
